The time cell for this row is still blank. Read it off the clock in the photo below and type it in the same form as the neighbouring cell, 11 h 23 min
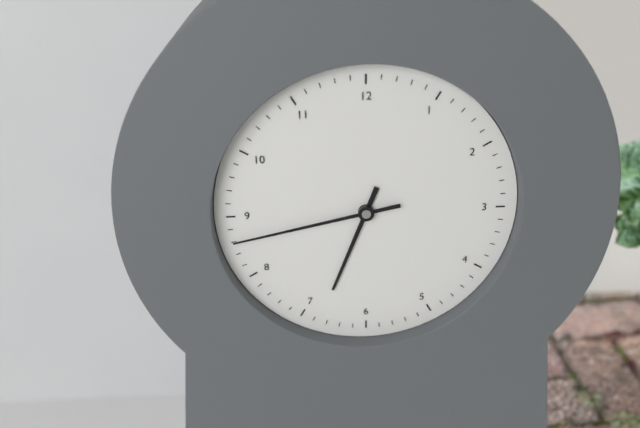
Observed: 6 h 43 min
